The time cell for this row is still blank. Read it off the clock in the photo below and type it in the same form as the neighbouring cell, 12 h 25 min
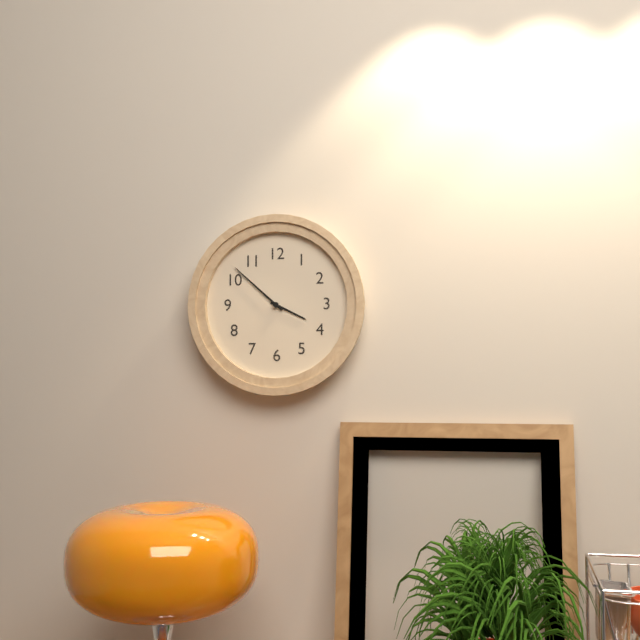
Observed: 3 h 52 min
